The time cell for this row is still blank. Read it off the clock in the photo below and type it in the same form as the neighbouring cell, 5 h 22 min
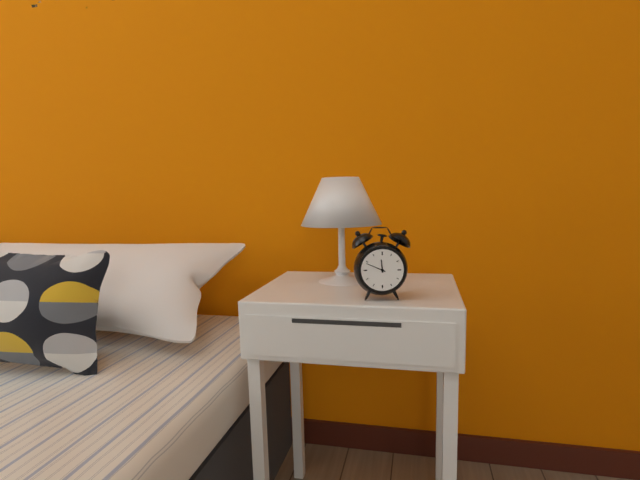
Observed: 11 h 49 min
